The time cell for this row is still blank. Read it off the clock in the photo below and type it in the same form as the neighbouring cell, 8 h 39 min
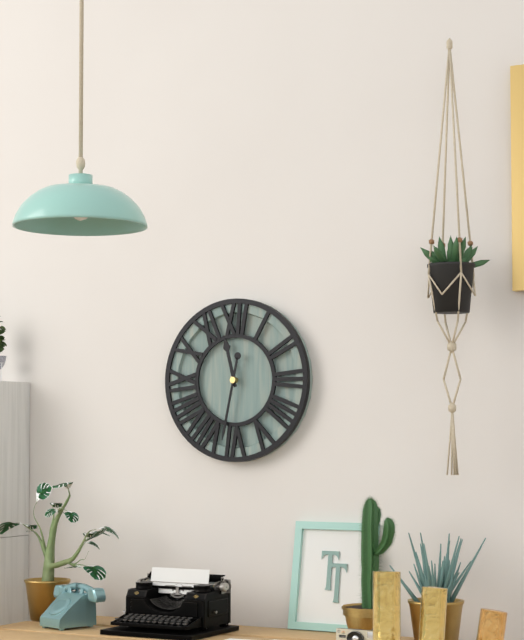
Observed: 11 h 32 min
